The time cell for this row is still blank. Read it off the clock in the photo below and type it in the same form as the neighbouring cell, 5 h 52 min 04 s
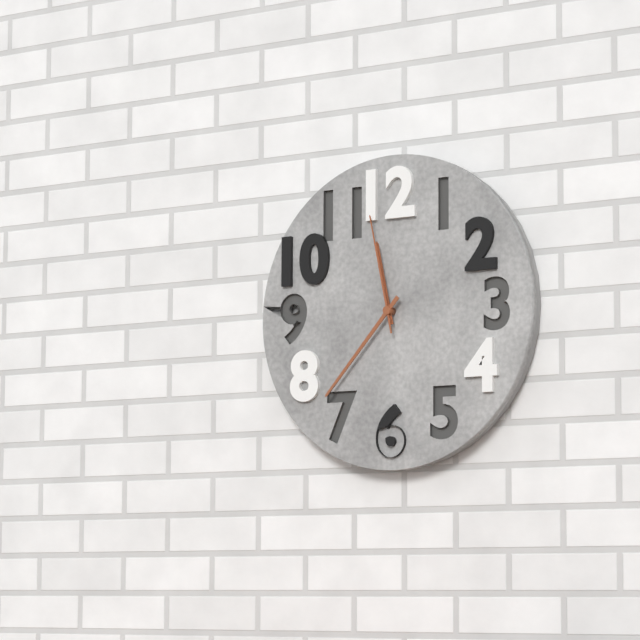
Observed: 11 h 37 min 58 s
